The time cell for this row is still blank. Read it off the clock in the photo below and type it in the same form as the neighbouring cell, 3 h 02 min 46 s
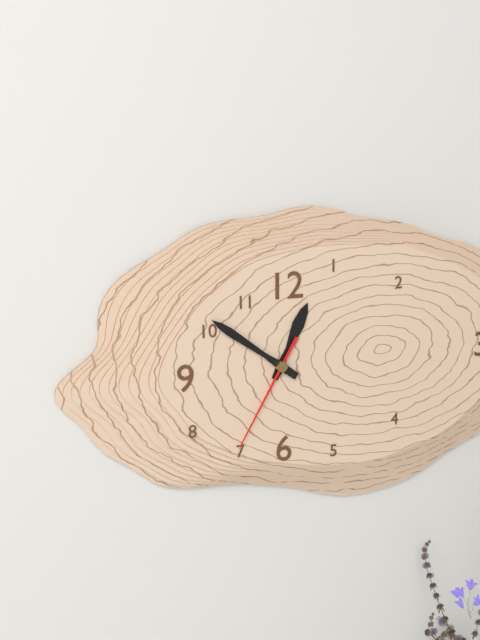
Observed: 12 h 51 min 35 s
